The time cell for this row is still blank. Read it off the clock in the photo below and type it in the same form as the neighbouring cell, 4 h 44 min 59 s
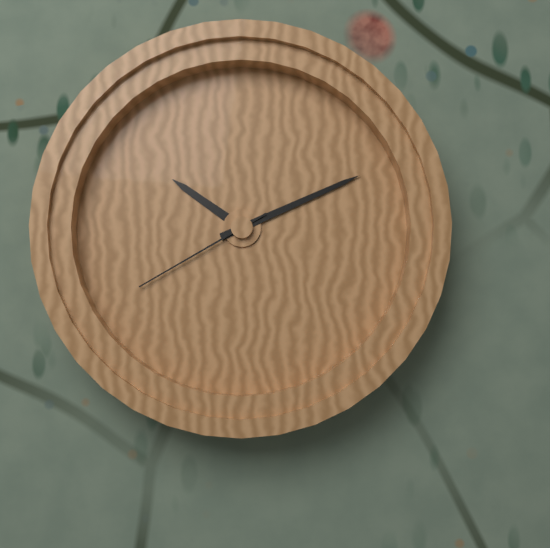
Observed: 10 h 11 min 40 s
